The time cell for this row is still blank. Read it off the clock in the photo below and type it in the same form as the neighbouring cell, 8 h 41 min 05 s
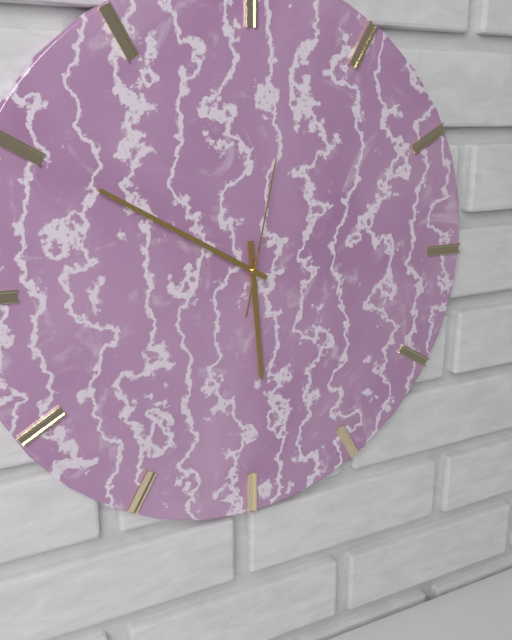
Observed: 5 h 50 min 02 s
